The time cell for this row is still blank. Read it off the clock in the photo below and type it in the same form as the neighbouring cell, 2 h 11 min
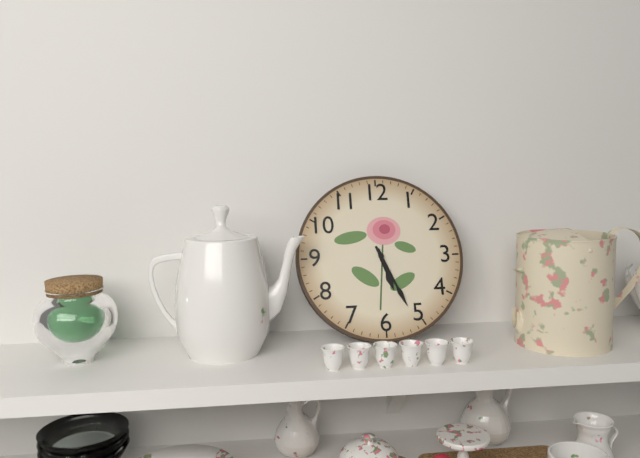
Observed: 5 h 26 min
